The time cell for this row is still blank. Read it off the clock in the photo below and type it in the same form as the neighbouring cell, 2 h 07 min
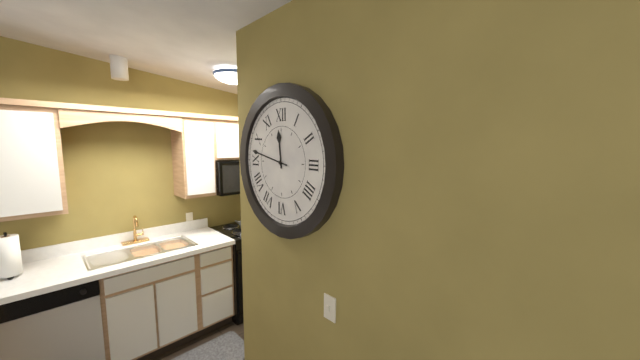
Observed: 11 h 47 min
